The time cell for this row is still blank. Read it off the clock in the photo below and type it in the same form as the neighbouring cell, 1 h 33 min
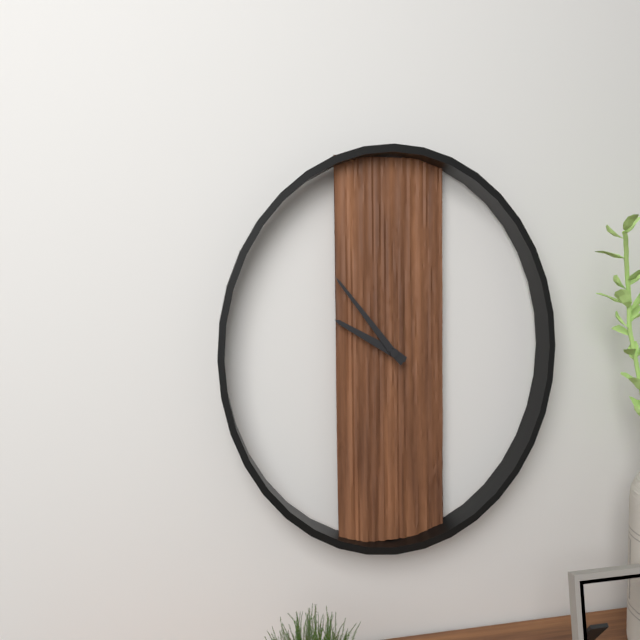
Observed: 9 h 53 min
